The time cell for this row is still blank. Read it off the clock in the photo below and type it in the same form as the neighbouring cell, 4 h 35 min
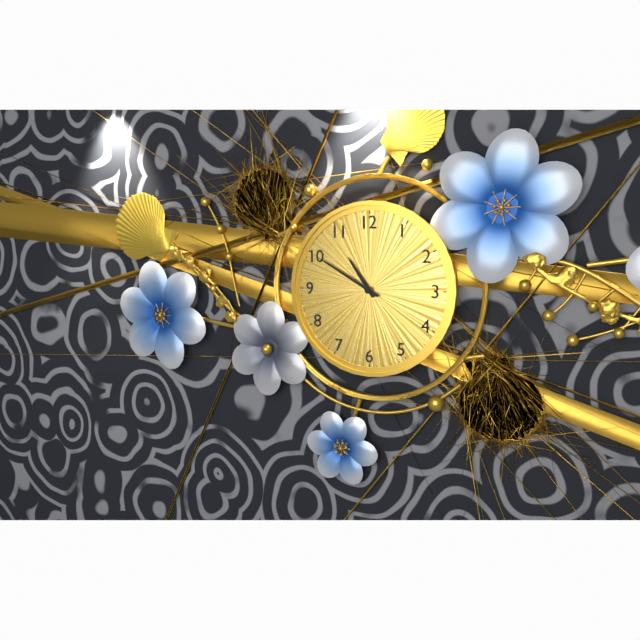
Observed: 10 h 50 min
